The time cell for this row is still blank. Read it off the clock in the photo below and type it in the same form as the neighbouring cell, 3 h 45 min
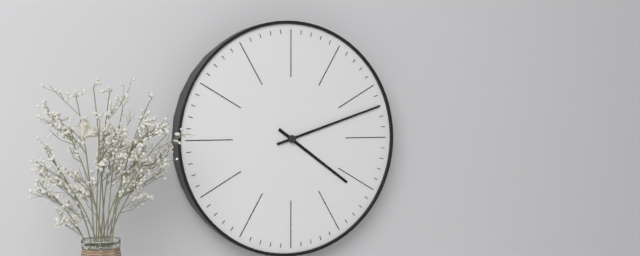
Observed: 4 h 12 min
